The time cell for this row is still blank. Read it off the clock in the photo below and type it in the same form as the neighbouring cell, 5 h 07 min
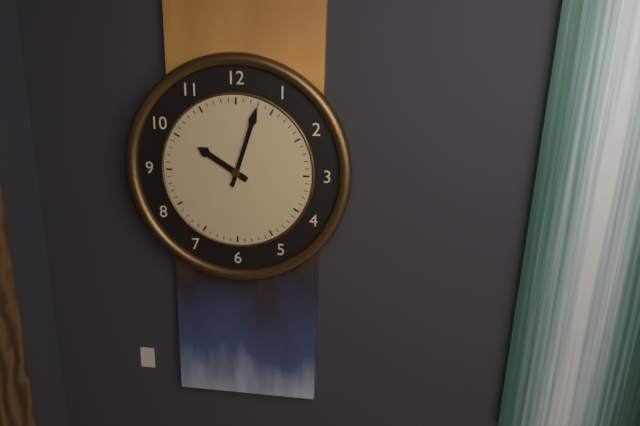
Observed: 10 h 03 min
